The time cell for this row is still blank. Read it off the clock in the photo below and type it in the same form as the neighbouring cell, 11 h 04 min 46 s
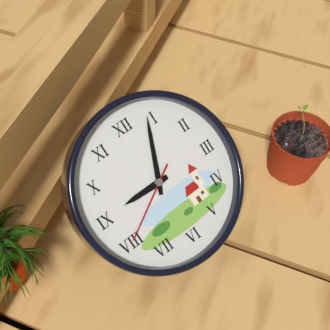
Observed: 9 h 04 min 40 s
